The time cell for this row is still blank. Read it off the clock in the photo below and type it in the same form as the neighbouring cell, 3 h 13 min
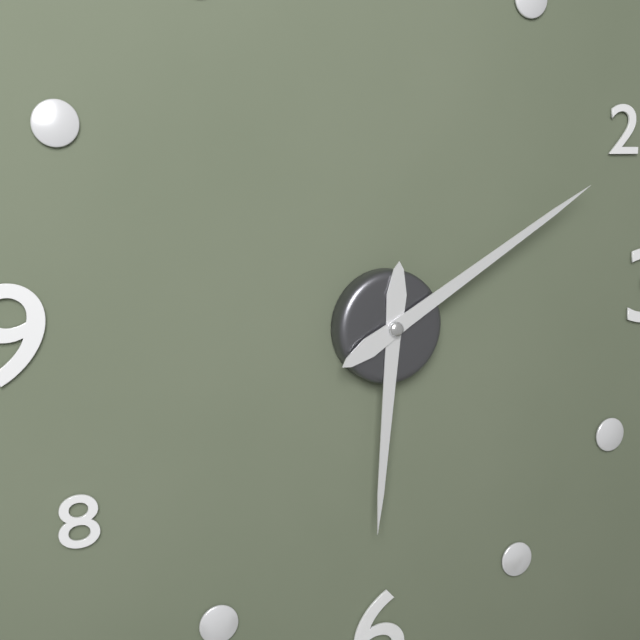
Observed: 6 h 10 min
